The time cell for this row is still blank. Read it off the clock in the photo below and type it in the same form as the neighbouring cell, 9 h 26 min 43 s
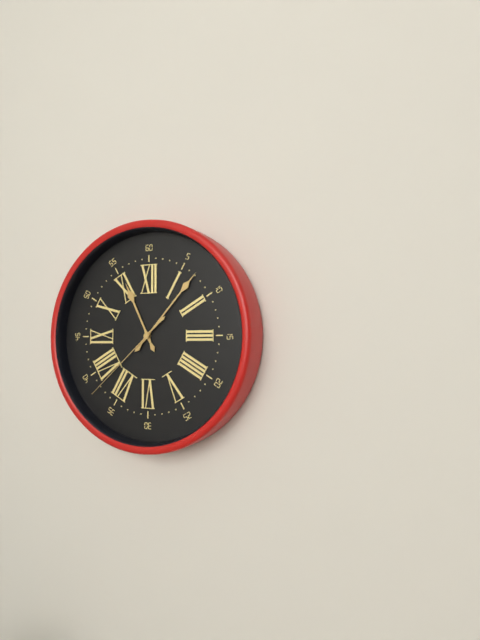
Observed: 11 h 07 min 38 s
